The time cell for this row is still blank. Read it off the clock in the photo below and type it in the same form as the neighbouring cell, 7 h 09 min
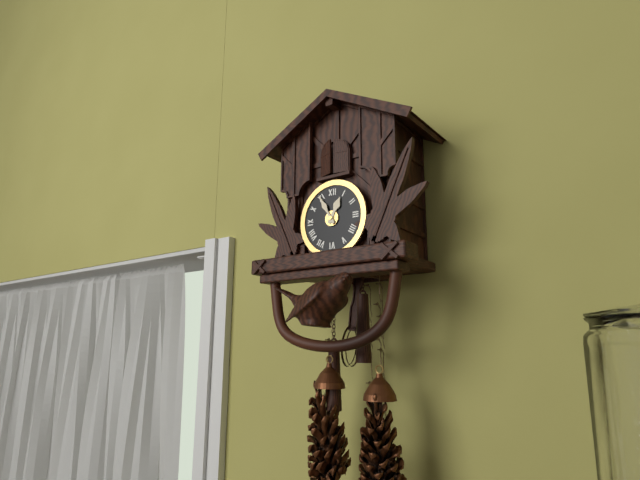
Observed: 12 h 55 min
